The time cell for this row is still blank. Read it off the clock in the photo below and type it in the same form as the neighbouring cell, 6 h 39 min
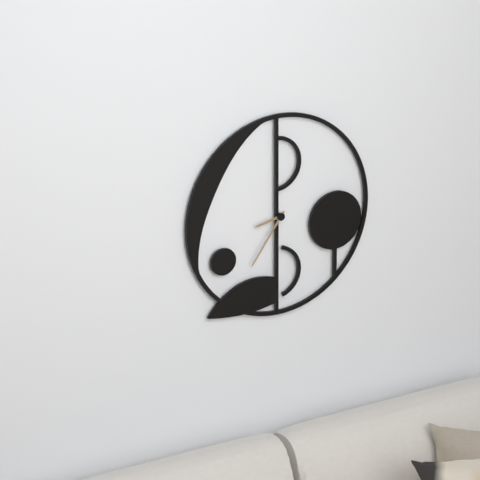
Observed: 8 h 36 min
